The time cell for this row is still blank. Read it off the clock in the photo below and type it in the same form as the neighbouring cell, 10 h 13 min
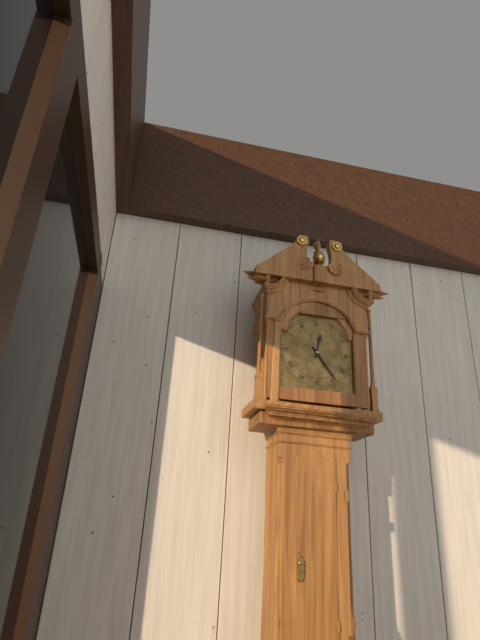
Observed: 12 h 24 min
